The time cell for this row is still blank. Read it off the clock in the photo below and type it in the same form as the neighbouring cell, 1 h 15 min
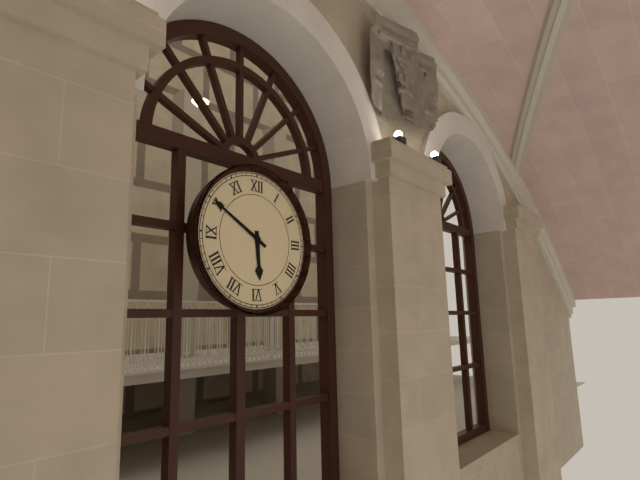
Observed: 5 h 50 min
